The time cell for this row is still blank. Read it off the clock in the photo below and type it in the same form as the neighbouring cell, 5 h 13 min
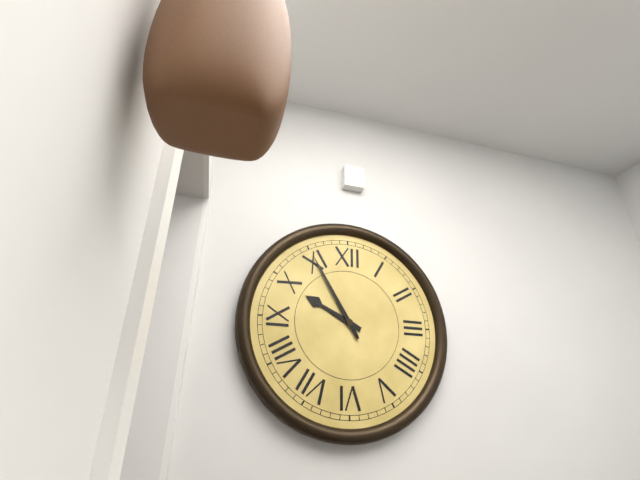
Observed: 9 h 55 min
